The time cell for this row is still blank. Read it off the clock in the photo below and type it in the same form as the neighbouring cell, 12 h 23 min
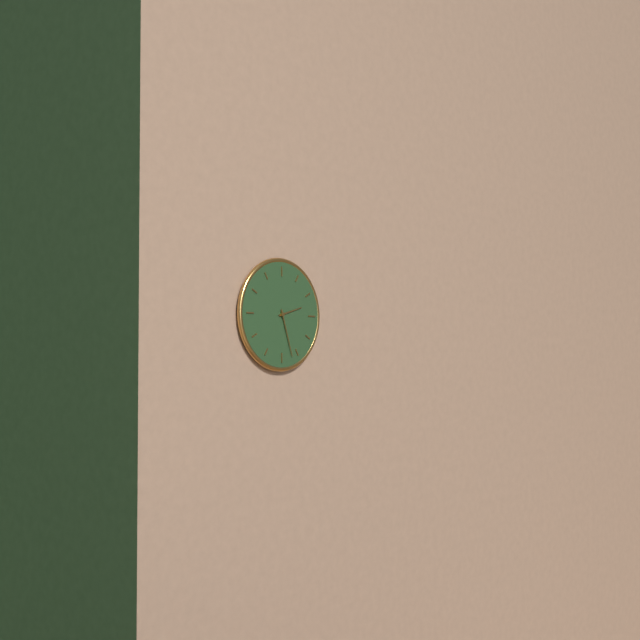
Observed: 2 h 27 min
